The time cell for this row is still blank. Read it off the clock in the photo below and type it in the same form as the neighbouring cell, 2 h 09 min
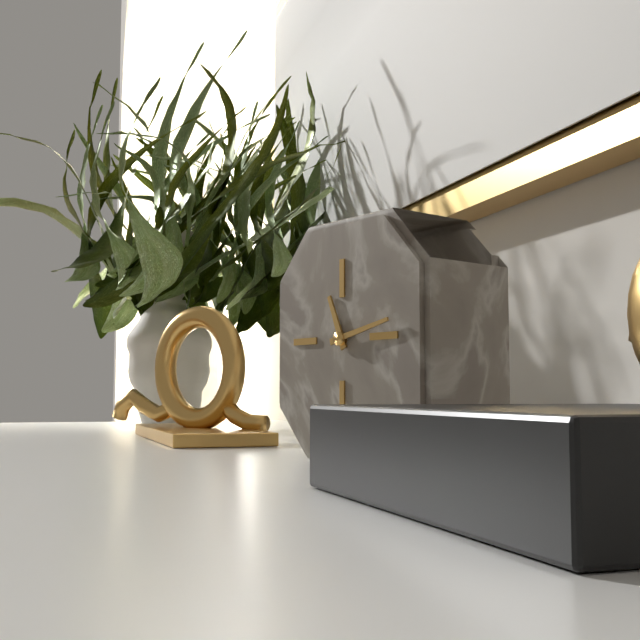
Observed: 11 h 13 min
